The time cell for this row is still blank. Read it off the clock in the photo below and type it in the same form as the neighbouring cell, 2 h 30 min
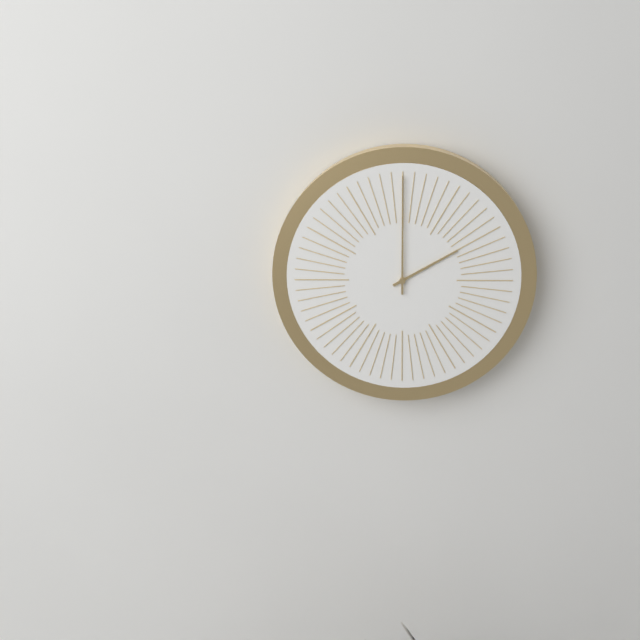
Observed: 2 h 00 min
